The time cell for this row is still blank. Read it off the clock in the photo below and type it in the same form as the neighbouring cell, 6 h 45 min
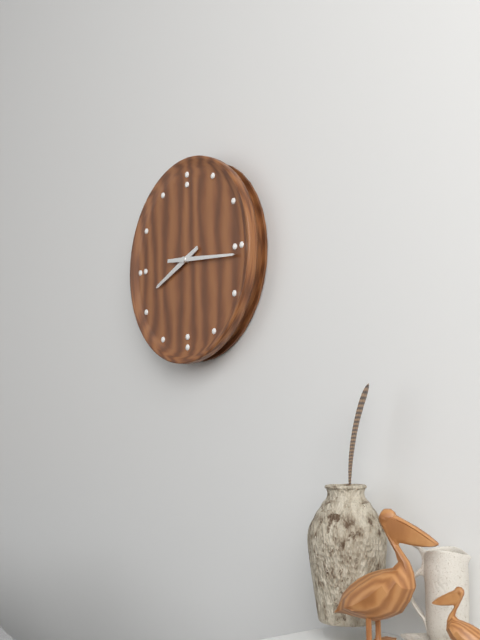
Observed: 8 h 16 min
